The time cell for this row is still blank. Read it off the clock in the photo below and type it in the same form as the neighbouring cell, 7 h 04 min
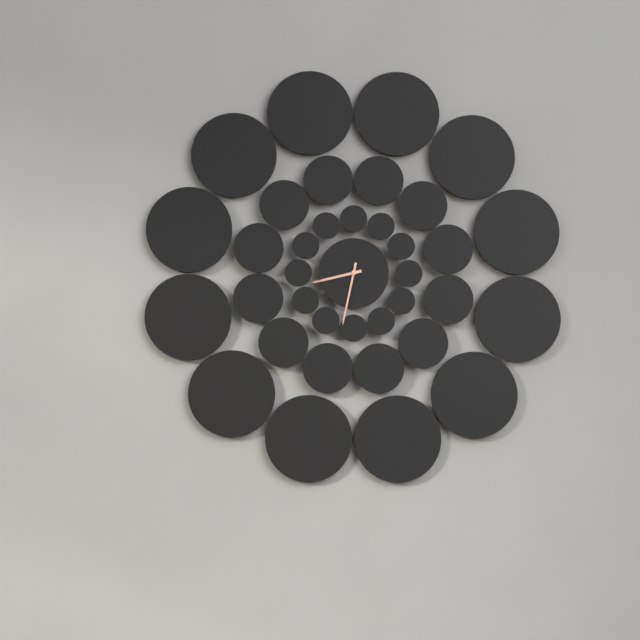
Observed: 8 h 32 min
